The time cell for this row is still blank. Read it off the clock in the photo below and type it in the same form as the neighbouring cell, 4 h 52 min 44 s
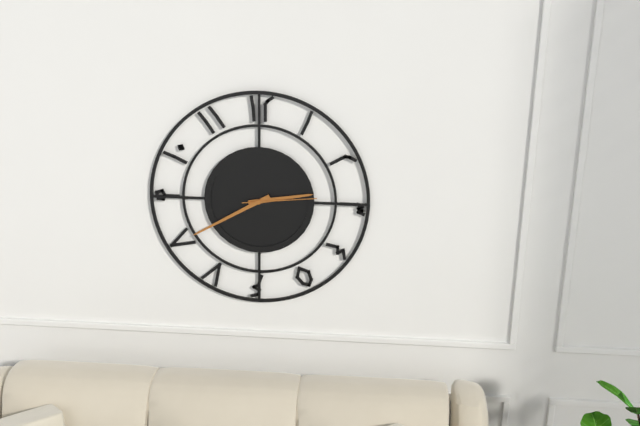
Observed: 2 h 40 min 14 s
